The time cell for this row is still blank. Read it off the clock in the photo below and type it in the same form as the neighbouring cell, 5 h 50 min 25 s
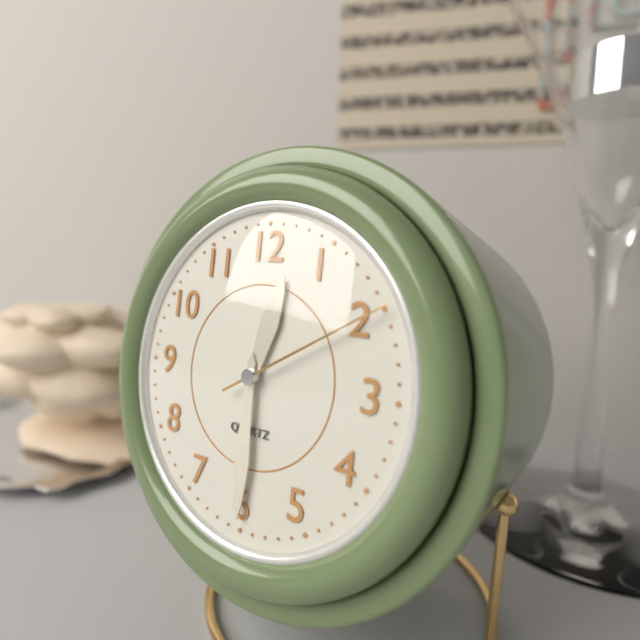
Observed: 12 h 30 min 10 s
